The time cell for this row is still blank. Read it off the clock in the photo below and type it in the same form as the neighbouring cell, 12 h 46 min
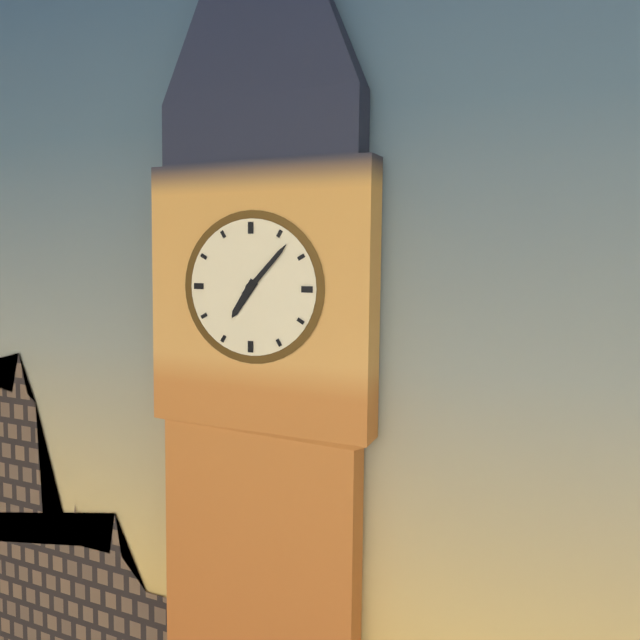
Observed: 7 h 07 min
